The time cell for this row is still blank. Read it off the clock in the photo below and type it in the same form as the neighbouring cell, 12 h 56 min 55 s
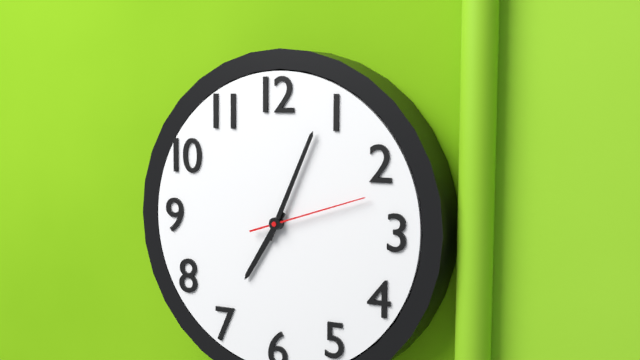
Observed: 7 h 04 min 12 s
